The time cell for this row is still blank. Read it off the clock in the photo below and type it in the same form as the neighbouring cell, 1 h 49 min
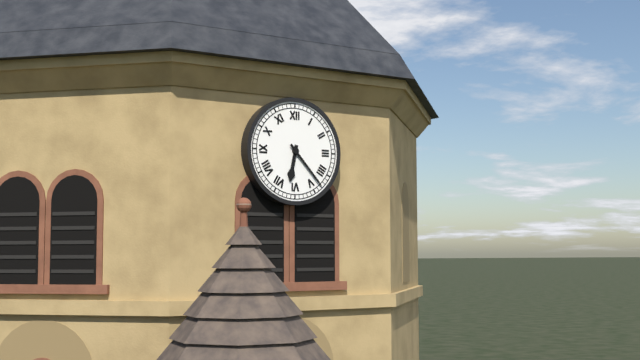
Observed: 6 h 23 min
